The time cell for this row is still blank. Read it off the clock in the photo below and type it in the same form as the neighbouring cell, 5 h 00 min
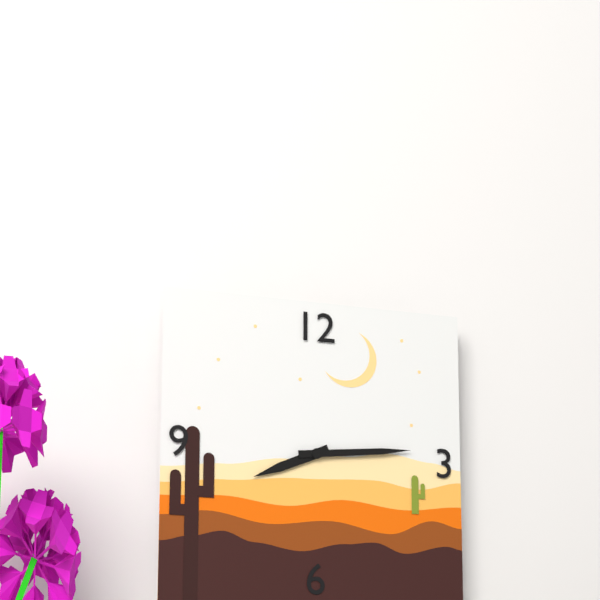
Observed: 8 h 14 min
